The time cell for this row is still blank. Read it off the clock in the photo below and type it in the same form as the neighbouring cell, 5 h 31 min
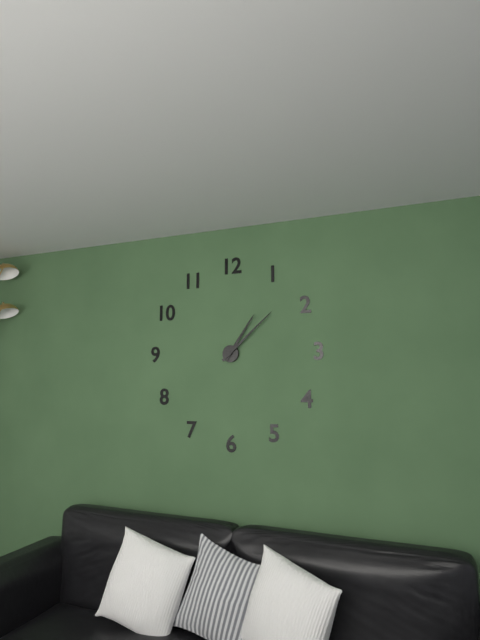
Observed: 1 h 08 min
